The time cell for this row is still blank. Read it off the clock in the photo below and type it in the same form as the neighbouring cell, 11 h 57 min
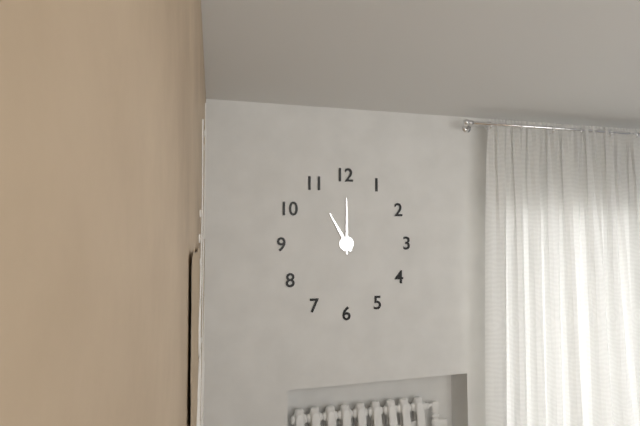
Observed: 11 h 00 min
